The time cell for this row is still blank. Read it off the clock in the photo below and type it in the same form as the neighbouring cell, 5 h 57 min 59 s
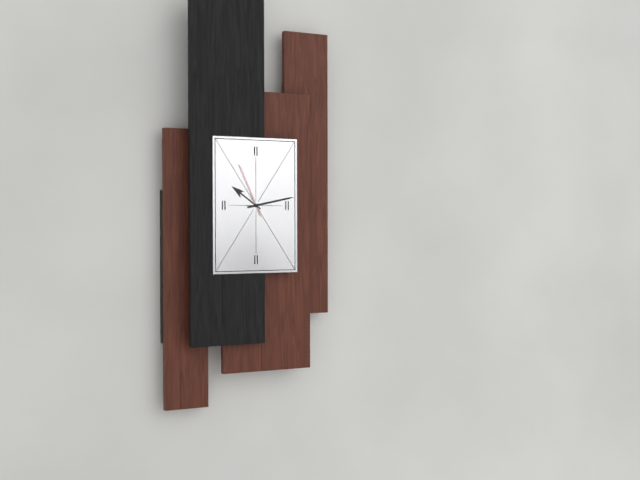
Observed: 10 h 13 min 56 s
